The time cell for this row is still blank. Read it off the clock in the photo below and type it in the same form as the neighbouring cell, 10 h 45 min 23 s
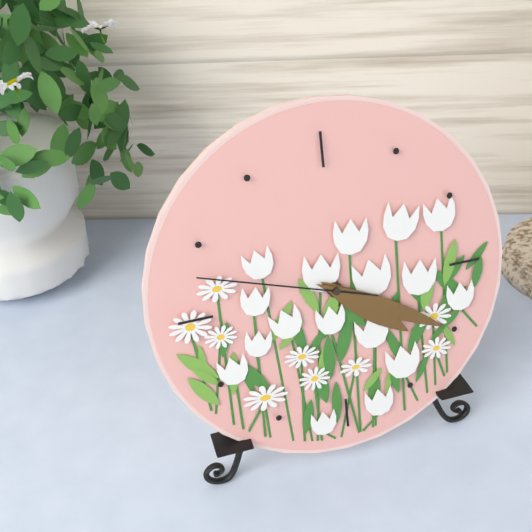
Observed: 4 h 20 min 48 s
